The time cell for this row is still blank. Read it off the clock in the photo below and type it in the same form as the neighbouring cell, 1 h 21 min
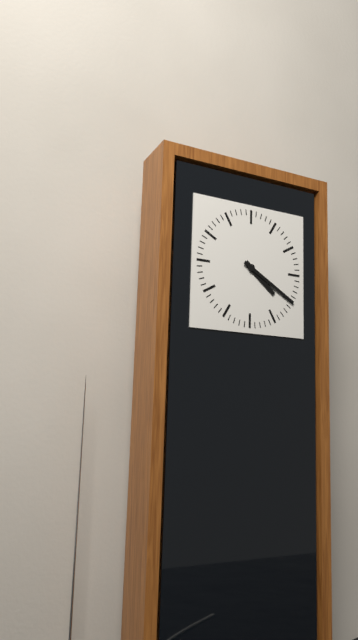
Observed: 4 h 20 min
